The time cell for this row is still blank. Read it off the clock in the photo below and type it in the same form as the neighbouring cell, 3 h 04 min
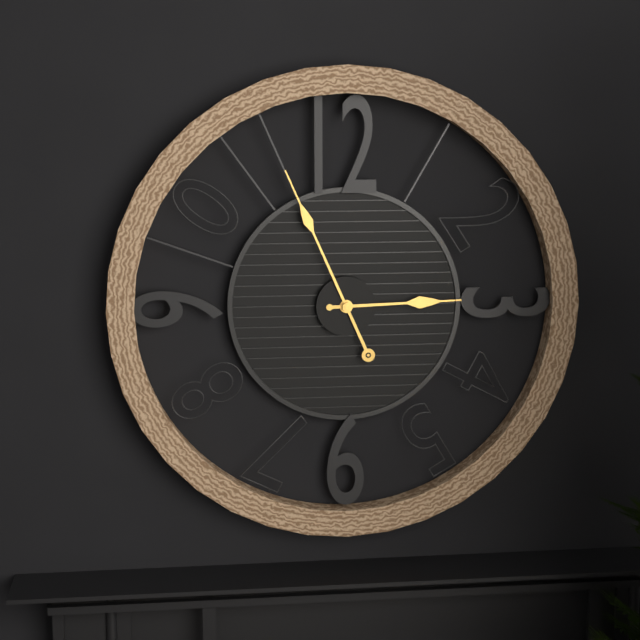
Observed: 2 h 56 min
